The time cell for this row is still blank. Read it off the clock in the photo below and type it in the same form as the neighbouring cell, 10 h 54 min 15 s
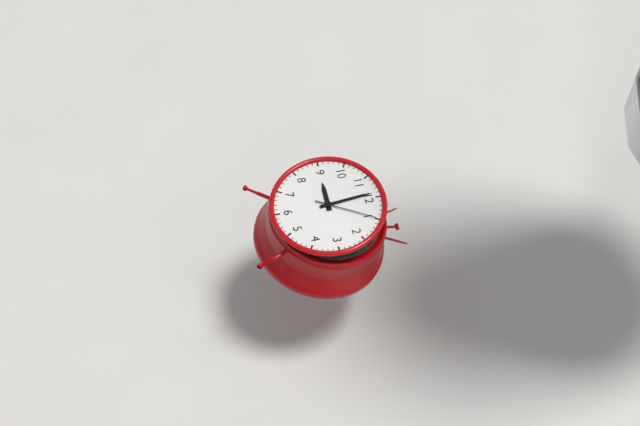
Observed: 8 h 59 min 05 s
